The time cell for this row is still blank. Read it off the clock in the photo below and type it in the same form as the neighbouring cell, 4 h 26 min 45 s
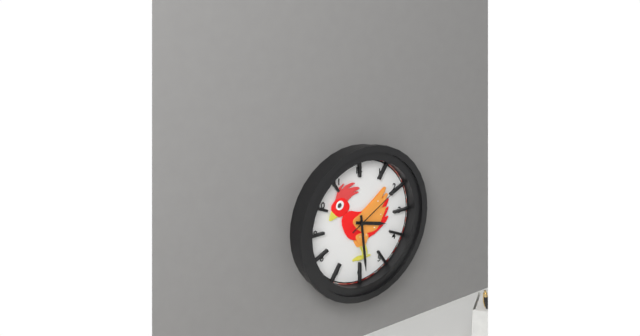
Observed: 3 h 29 min 10 s
